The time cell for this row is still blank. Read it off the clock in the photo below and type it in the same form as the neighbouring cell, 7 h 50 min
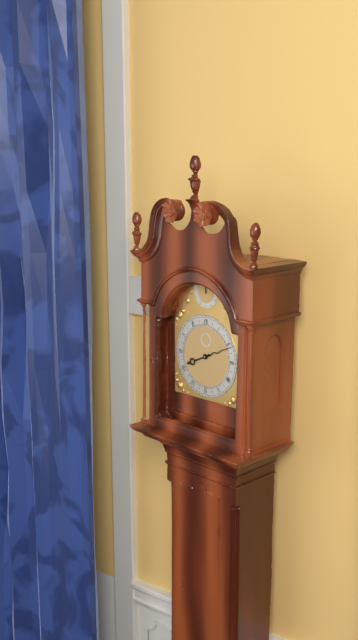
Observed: 8 h 11 min
